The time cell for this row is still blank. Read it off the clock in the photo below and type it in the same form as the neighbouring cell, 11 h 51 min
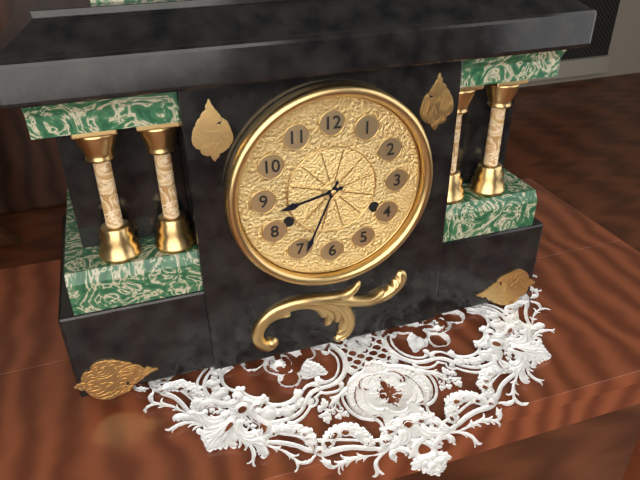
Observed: 8 h 34 min
